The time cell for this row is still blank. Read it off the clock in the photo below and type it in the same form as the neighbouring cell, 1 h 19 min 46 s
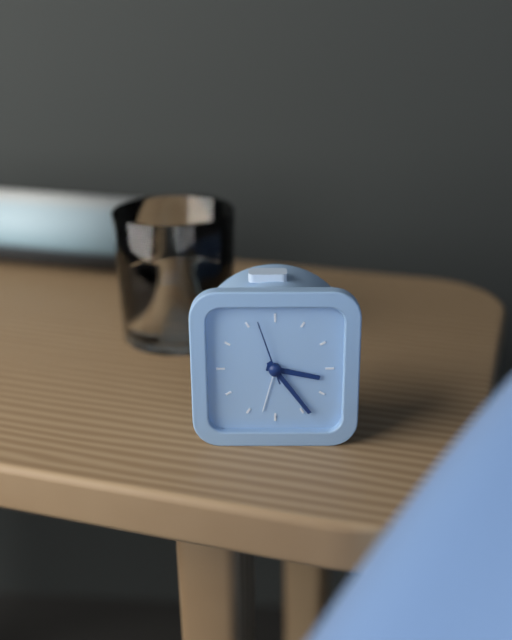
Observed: 3 h 24 min 57 s
